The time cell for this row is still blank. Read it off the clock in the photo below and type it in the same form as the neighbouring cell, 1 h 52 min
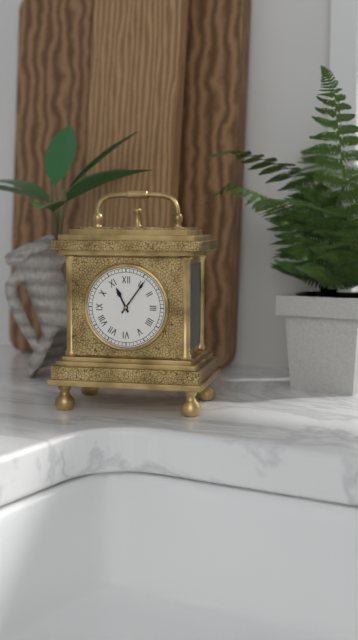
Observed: 11 h 06 min
